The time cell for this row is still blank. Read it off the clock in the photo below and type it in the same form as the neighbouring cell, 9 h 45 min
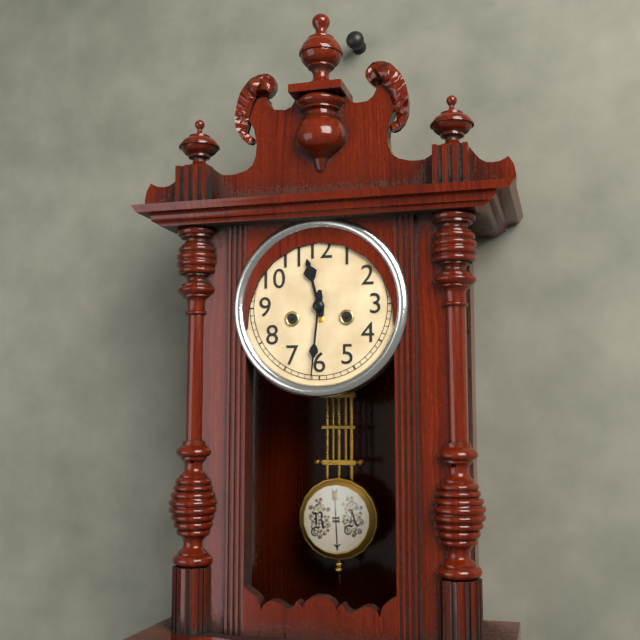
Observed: 11 h 31 min
